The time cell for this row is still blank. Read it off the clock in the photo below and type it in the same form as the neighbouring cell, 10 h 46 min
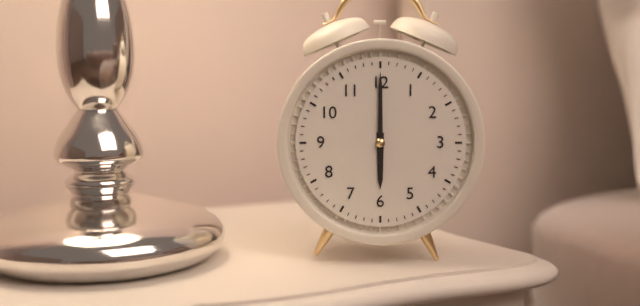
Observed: 6 h 00 min
